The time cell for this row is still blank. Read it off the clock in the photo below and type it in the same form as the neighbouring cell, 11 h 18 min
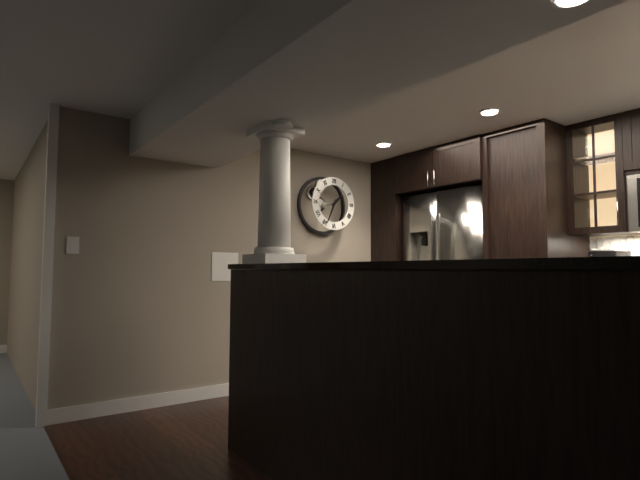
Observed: 1 h 34 min
